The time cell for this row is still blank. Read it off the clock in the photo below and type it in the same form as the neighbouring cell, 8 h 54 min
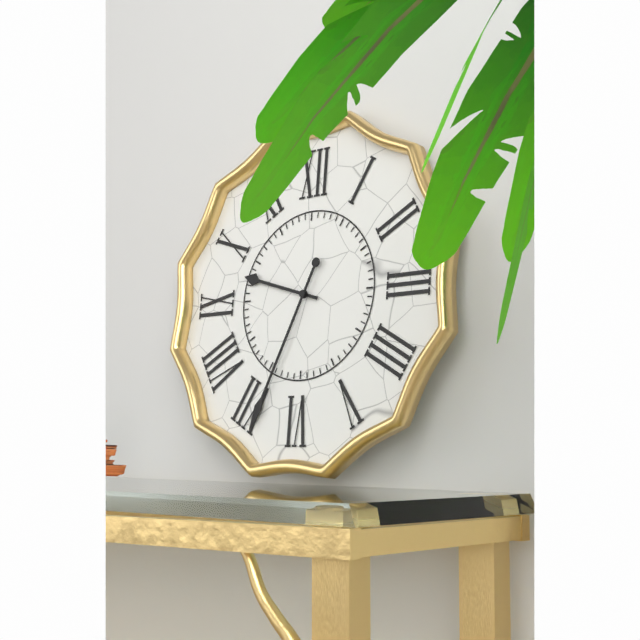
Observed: 9 h 34 min
